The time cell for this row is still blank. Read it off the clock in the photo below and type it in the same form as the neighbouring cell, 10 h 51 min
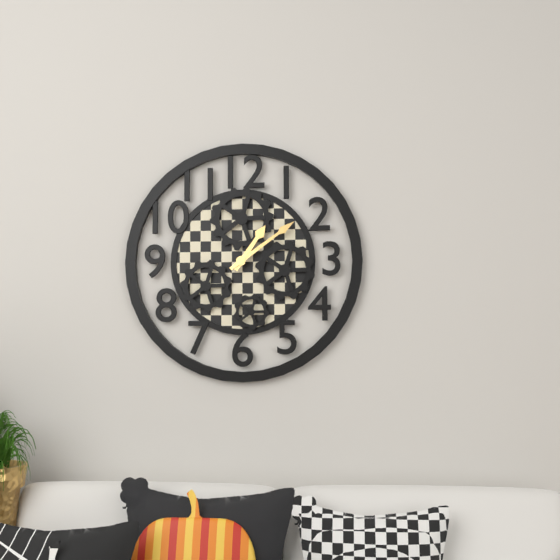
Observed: 1 h 09 min
